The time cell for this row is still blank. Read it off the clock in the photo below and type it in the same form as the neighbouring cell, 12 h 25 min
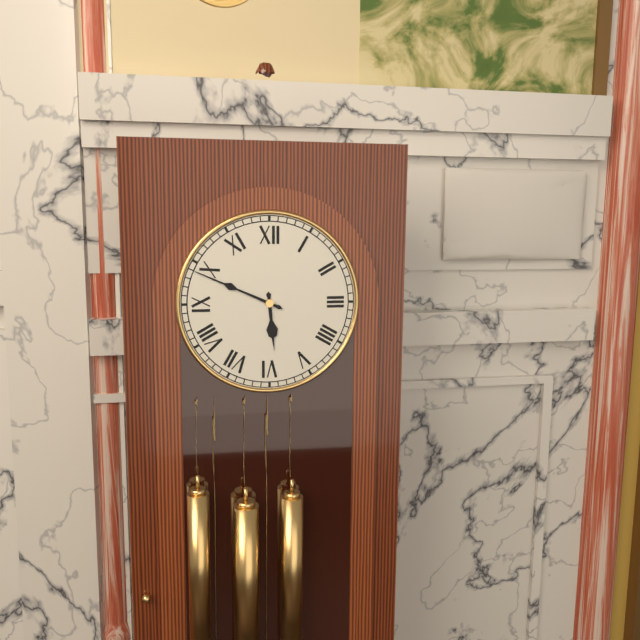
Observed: 5 h 49 min
